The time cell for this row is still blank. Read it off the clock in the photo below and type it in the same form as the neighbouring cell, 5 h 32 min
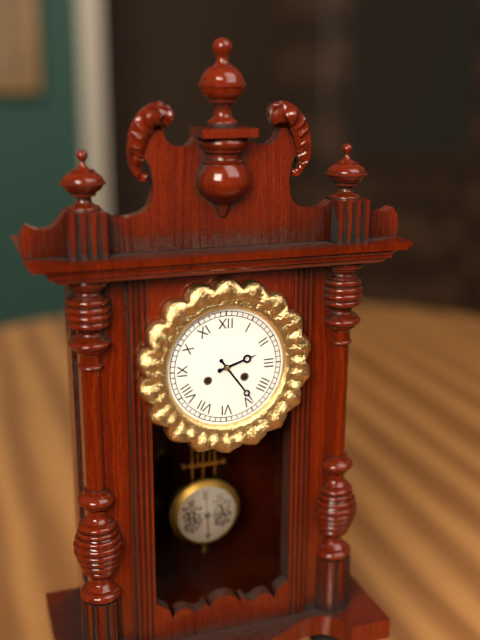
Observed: 2 h 24 min
